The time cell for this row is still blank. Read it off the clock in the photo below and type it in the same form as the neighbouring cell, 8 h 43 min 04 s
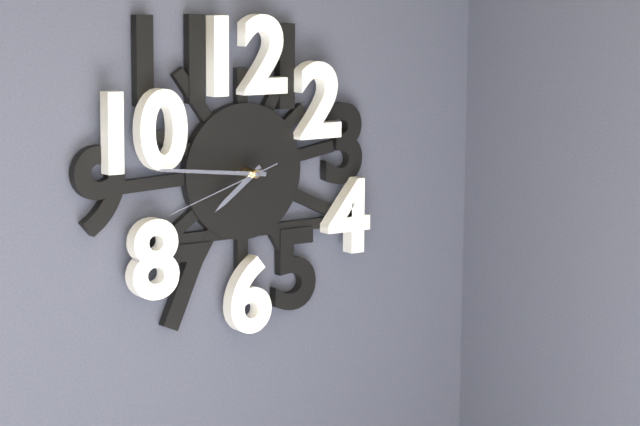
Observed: 7 h 46 min 42 s
